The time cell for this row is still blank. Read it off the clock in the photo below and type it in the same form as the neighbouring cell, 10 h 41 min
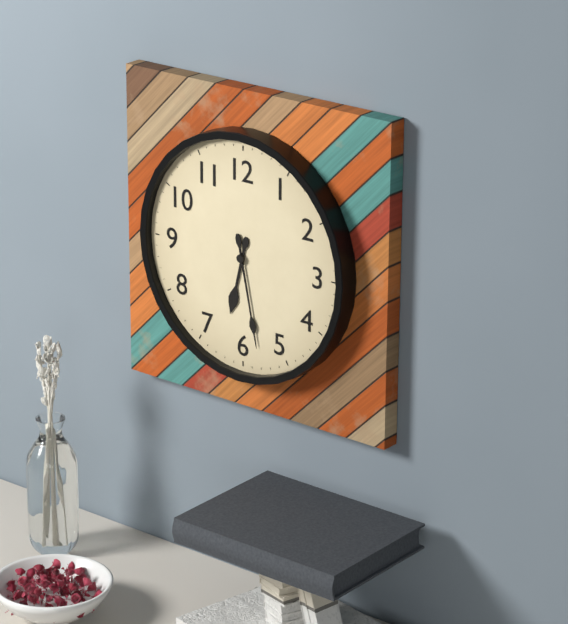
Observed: 6 h 28 min
